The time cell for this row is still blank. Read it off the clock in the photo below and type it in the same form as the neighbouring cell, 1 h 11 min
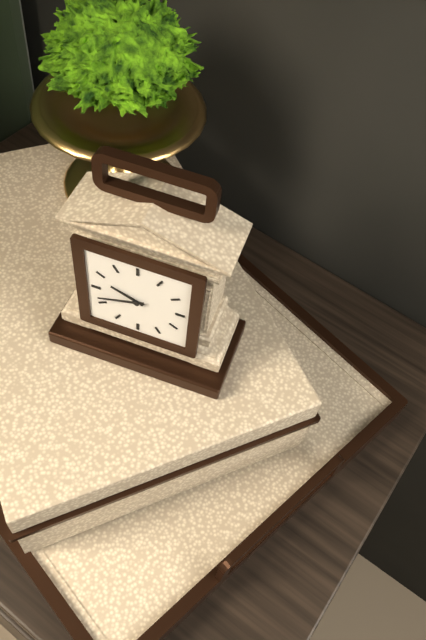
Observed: 9 h 42 min
